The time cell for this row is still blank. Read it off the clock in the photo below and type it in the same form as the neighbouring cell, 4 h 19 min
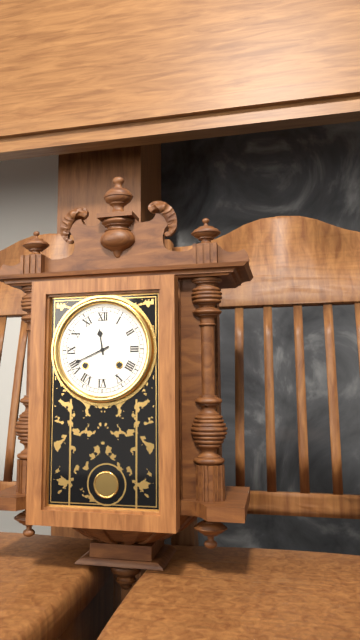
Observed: 11 h 41 min
